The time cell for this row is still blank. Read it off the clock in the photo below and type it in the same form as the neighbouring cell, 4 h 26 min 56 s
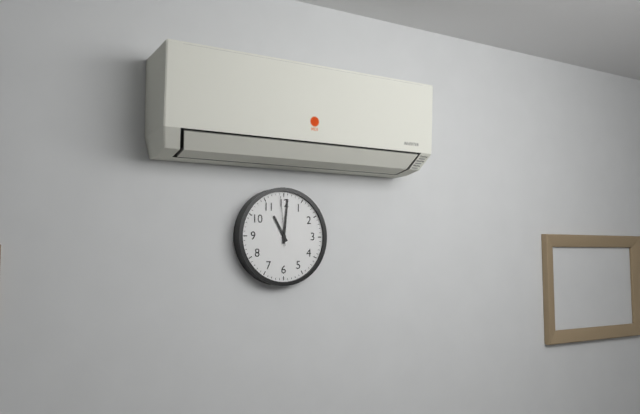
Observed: 11 h 01 min 59 s
